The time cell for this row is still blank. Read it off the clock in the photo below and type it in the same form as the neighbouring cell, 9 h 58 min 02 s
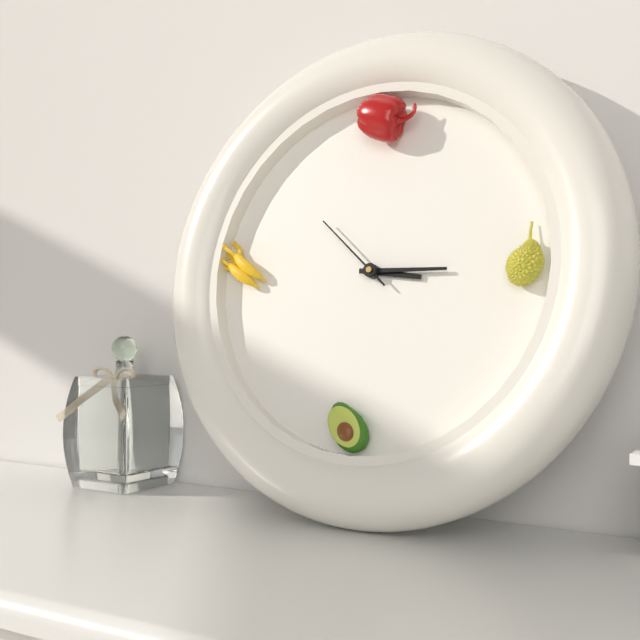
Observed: 3 h 15 min 52 s
